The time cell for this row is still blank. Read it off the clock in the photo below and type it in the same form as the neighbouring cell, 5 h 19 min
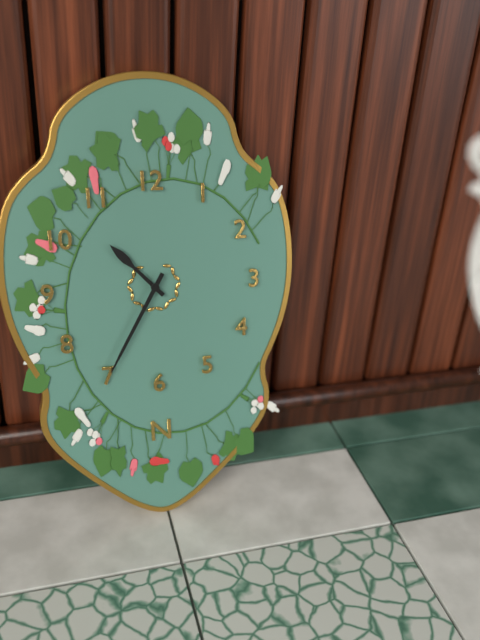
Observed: 10 h 35 min
